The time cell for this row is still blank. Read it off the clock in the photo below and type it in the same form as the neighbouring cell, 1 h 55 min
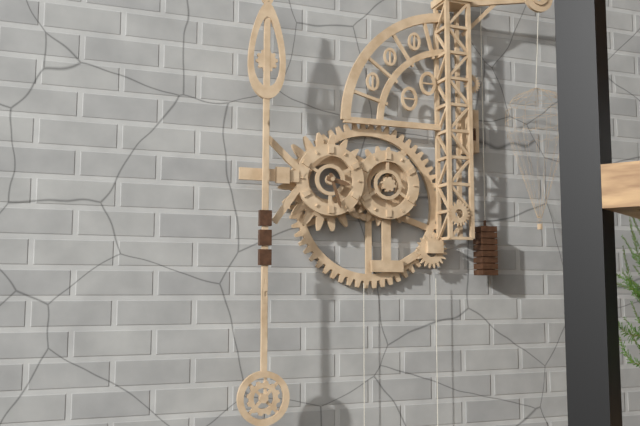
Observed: 3 h 27 min
